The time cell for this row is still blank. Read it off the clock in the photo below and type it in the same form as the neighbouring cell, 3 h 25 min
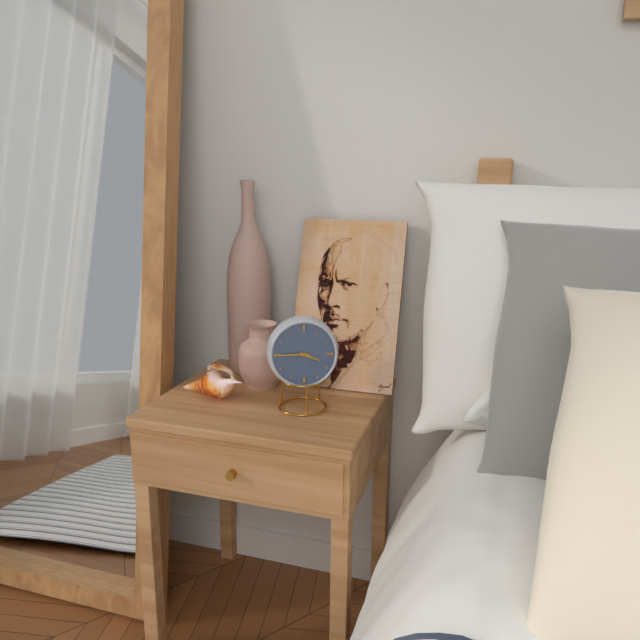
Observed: 3 h 45 min
